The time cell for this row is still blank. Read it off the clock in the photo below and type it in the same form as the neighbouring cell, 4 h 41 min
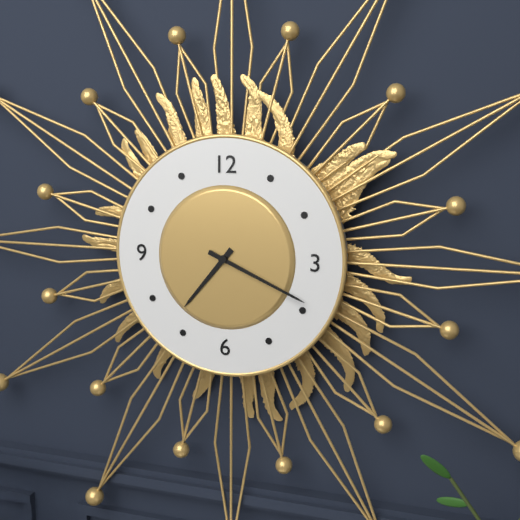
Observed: 7 h 19 min
